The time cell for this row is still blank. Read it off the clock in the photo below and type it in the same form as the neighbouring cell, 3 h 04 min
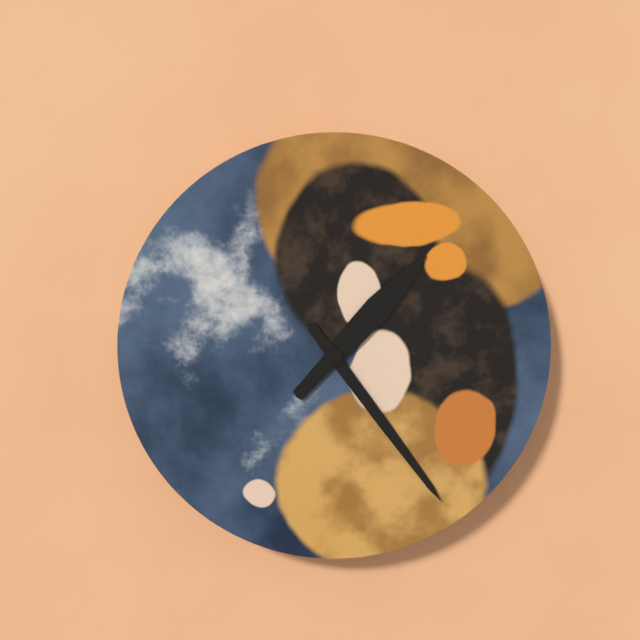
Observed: 1 h 24 min
